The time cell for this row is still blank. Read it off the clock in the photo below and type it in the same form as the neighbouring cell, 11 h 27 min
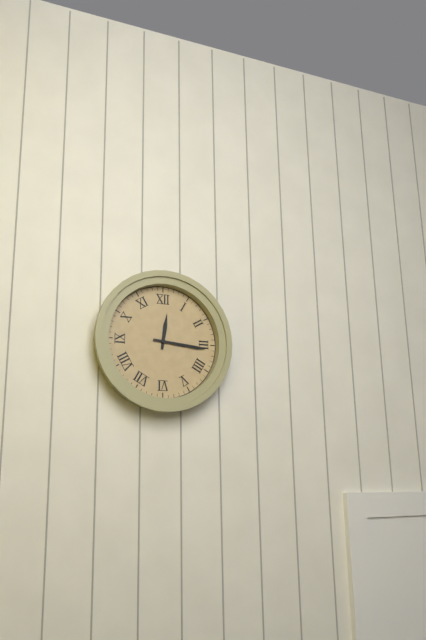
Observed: 12 h 16 min
